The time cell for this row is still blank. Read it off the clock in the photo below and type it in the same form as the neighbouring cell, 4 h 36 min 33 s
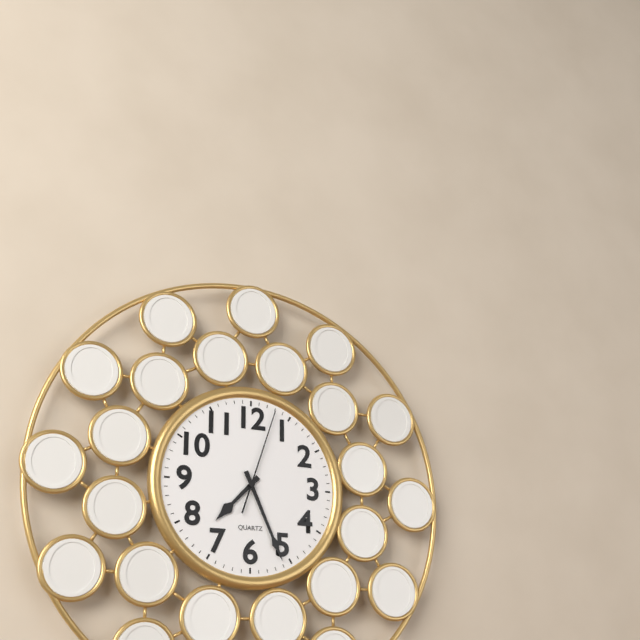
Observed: 7 h 26 min 03 s
